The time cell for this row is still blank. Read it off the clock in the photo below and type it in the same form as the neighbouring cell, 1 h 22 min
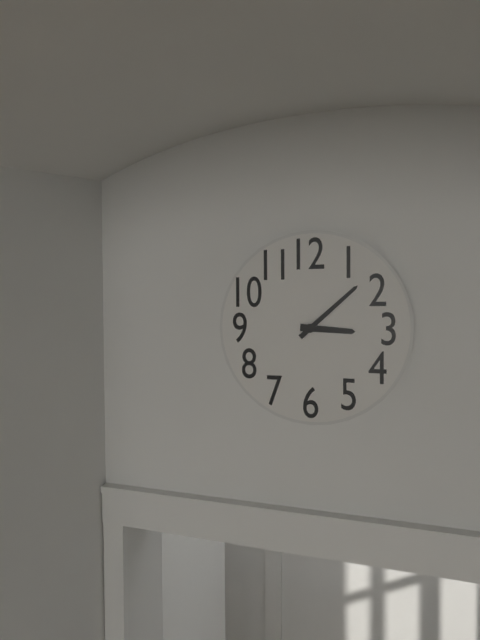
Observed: 3 h 08 min
